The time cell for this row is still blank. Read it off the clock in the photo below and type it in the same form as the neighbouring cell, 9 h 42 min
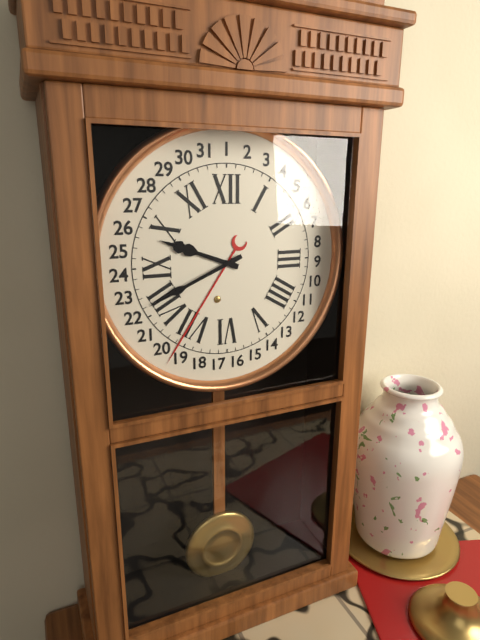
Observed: 9 h 41 min
